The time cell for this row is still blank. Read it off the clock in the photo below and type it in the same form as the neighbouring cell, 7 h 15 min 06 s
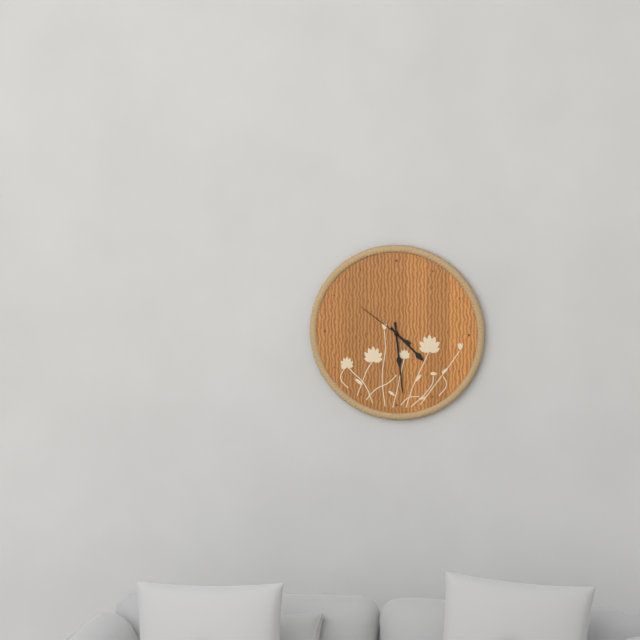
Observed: 4 h 29 min 51 s
